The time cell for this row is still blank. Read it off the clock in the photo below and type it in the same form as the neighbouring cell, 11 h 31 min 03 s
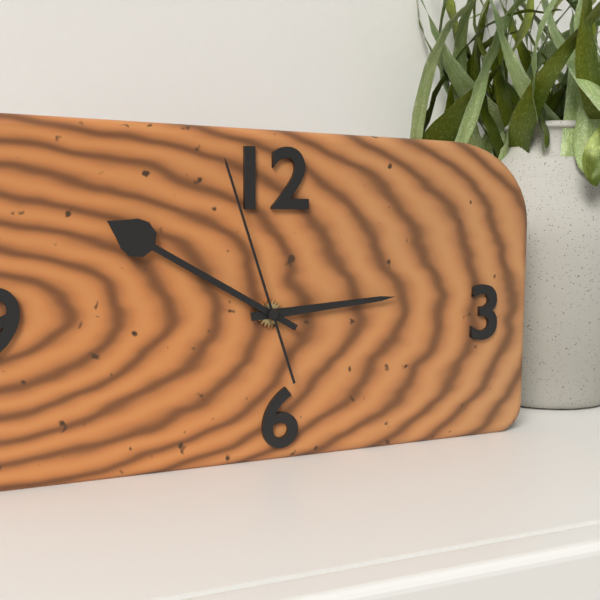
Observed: 2 h 50 min 57 s
